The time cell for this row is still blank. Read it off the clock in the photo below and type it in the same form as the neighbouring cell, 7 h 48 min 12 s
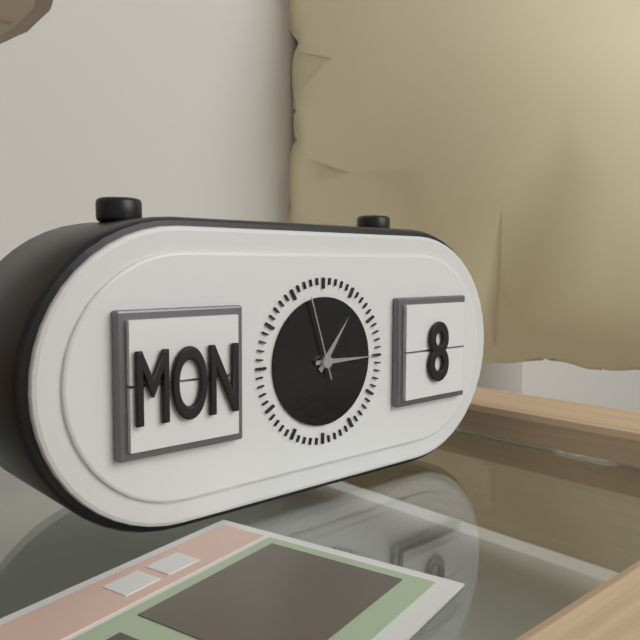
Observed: 1 h 15 min 57 s
